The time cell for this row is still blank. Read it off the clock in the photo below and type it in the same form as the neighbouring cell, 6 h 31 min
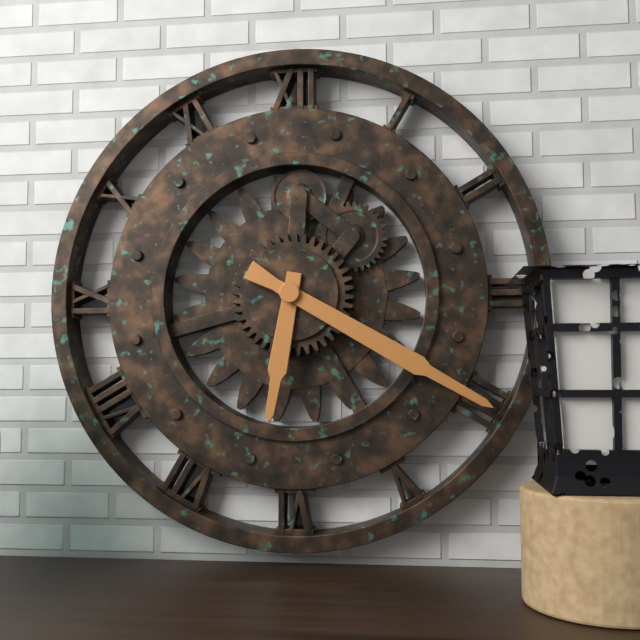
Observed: 6 h 20 min
